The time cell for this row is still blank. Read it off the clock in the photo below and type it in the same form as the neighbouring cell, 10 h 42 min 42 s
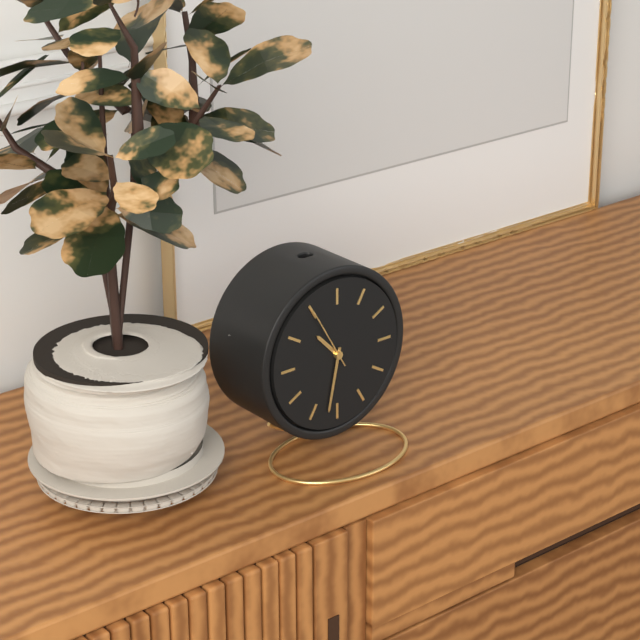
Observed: 10 h 32 min 55 s
